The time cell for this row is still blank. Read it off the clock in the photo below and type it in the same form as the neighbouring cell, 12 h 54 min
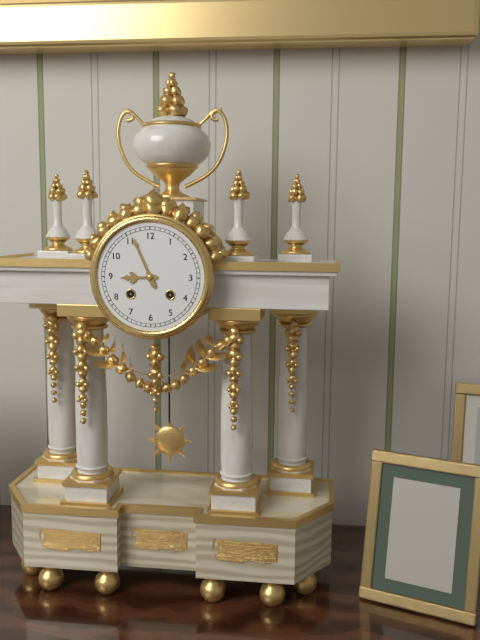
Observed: 8 h 56 min
